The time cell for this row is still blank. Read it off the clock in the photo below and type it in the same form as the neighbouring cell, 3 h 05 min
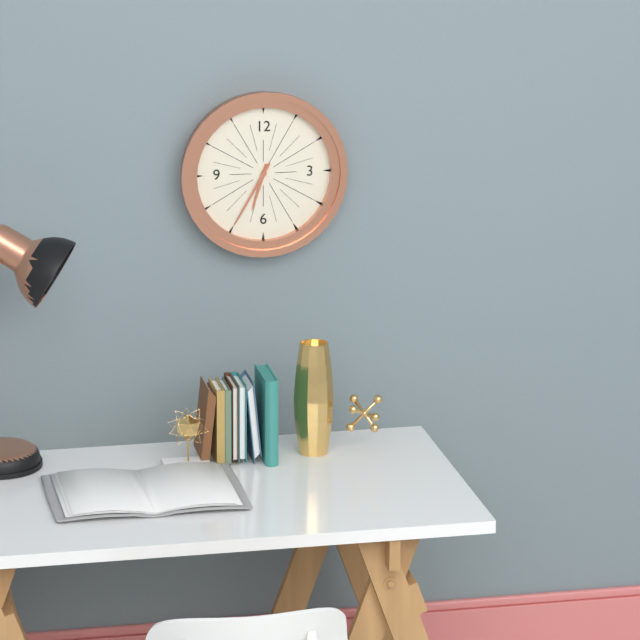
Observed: 6 h 35 min
